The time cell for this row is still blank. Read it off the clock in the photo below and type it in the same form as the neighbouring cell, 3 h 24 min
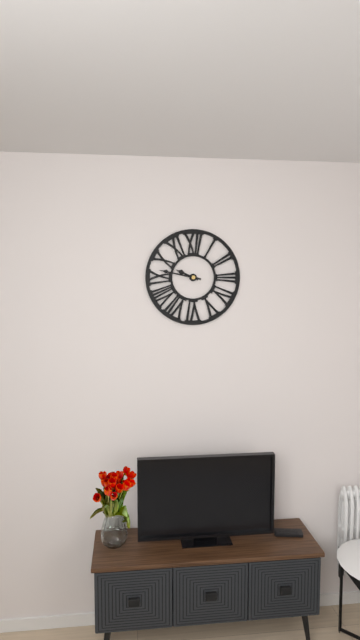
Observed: 9 h 47 min
